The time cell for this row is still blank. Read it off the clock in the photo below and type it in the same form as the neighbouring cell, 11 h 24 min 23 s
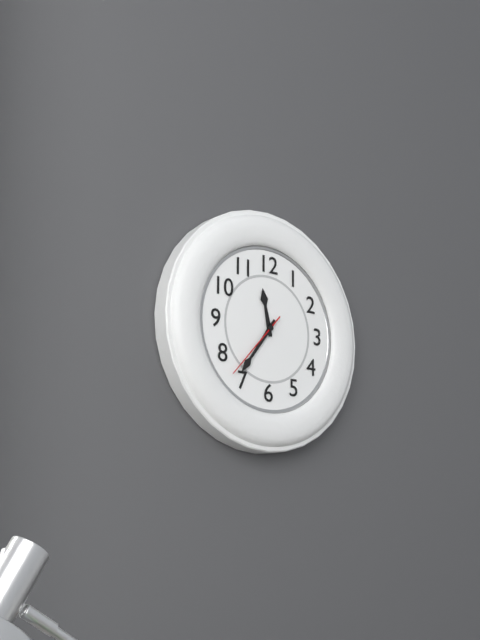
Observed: 11 h 36 min 37 s
